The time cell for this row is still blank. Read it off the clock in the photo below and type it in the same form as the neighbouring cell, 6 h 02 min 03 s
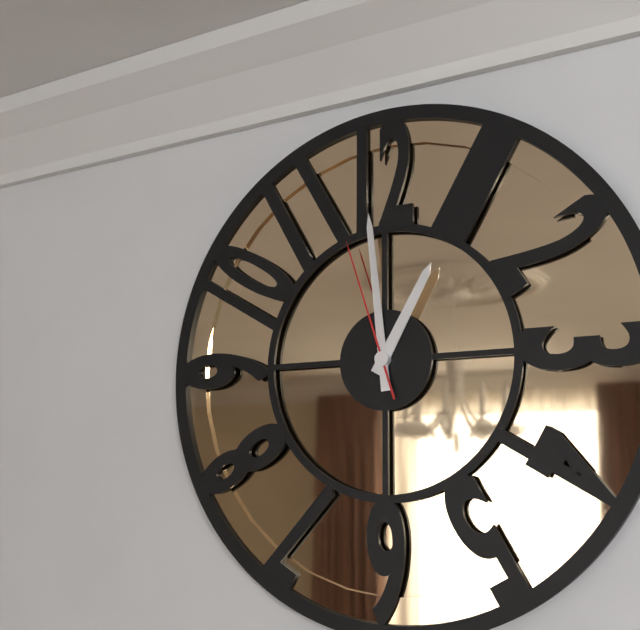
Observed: 12 h 59 min 57 s
